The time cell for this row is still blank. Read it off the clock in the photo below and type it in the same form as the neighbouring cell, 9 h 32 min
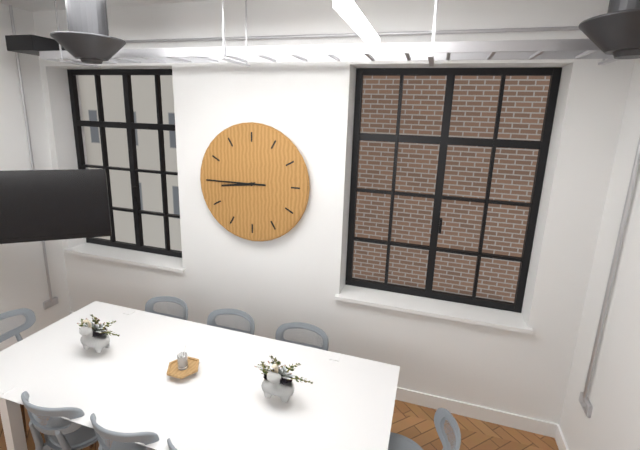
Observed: 8 h 45 min
